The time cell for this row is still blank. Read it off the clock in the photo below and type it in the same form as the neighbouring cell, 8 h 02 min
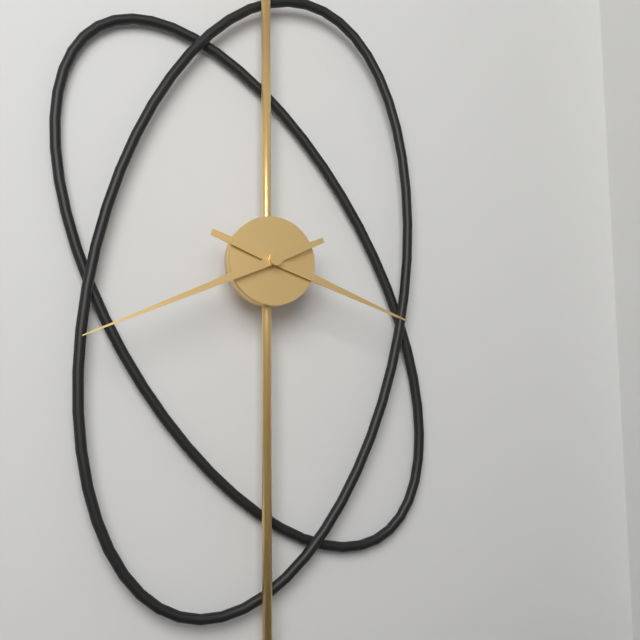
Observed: 3 h 41 min
